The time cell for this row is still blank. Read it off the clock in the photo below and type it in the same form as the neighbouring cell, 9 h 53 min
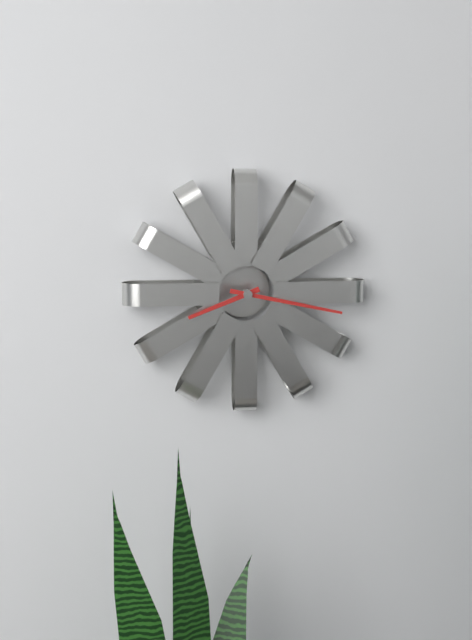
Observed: 8 h 17 min
